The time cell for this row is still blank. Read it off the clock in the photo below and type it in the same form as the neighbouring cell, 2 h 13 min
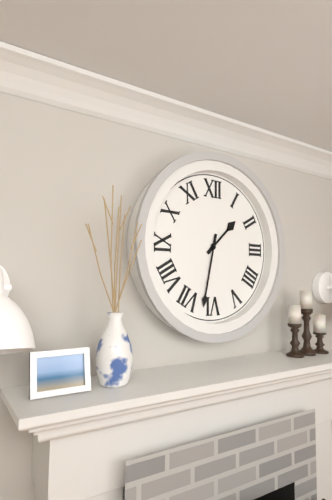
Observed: 1 h 32 min
